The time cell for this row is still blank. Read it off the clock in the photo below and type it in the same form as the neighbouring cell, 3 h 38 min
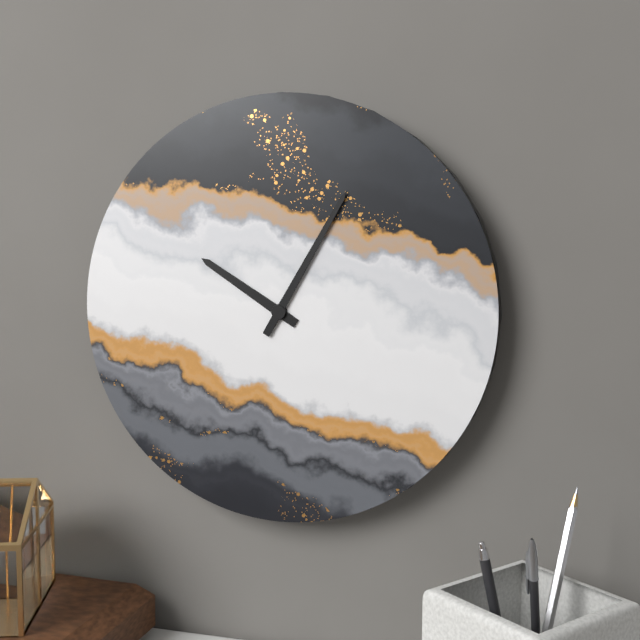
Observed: 10 h 05 min
